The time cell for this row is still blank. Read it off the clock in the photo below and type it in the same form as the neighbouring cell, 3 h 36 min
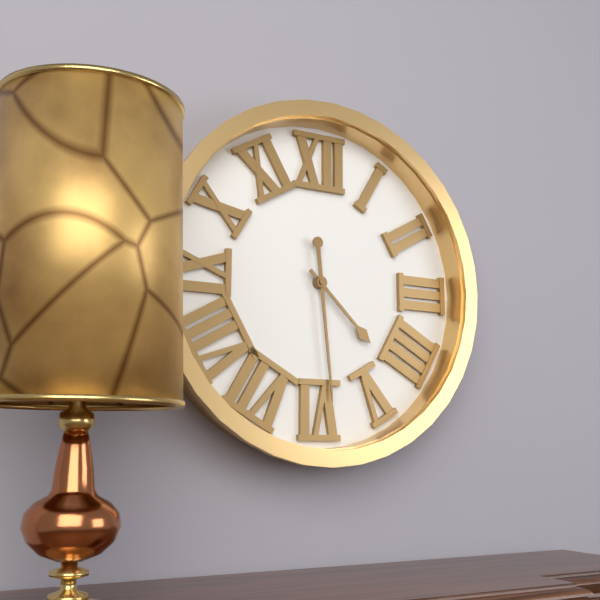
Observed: 4 h 29 min
